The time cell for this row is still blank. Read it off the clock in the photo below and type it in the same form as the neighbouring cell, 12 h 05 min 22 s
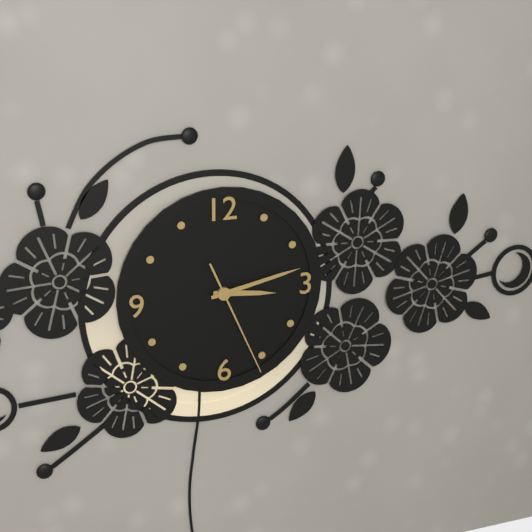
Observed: 3 h 13 min 26 s
